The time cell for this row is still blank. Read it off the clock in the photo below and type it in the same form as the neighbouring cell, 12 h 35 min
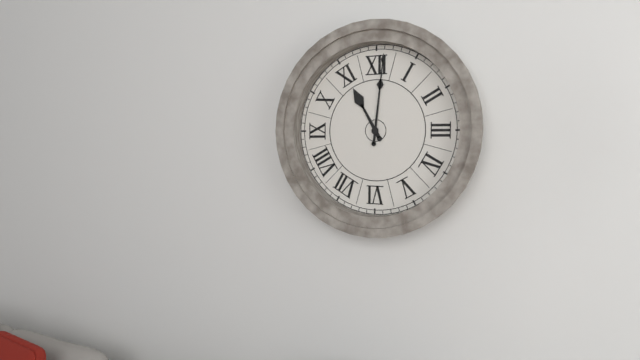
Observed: 11 h 01 min
